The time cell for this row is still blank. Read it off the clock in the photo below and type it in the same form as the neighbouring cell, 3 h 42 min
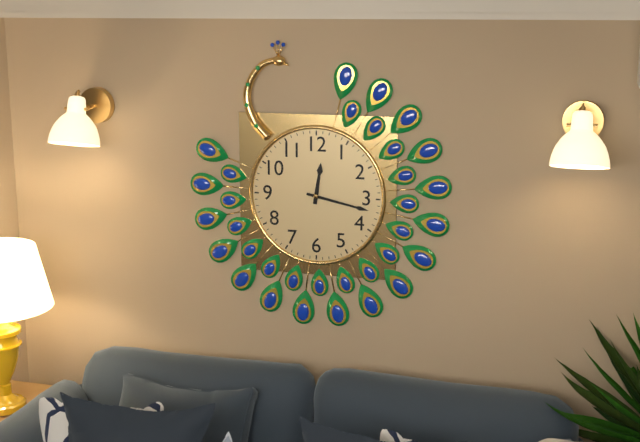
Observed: 12 h 17 min
